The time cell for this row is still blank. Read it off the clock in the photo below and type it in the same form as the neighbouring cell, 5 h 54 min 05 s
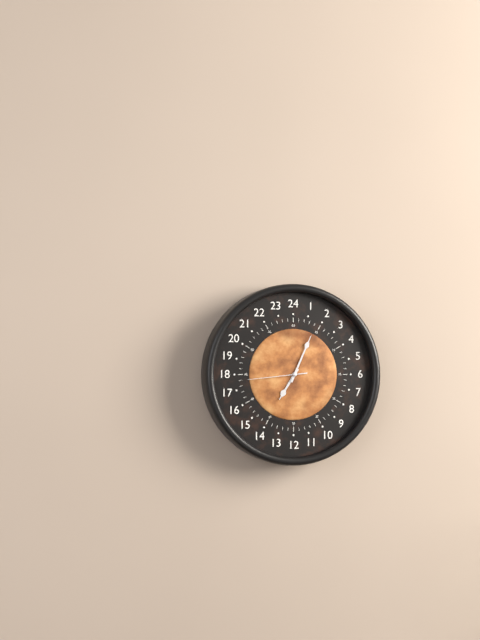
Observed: 7 h 04 min 44 s
